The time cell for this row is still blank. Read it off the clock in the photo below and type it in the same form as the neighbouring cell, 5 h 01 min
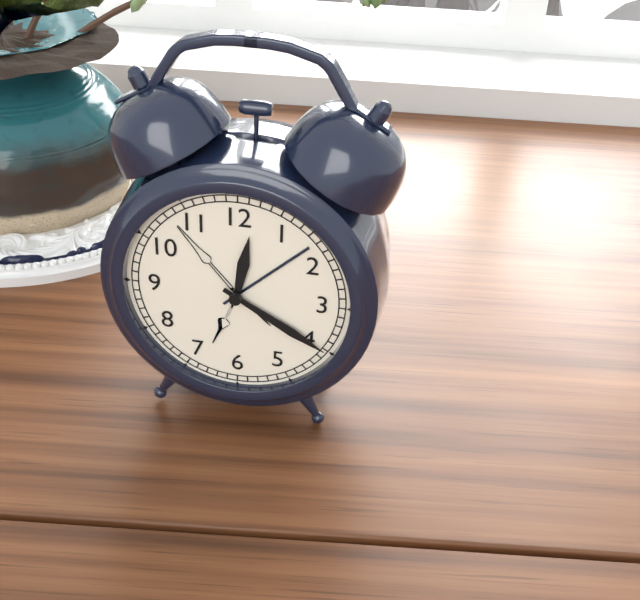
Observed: 12 h 20 min
